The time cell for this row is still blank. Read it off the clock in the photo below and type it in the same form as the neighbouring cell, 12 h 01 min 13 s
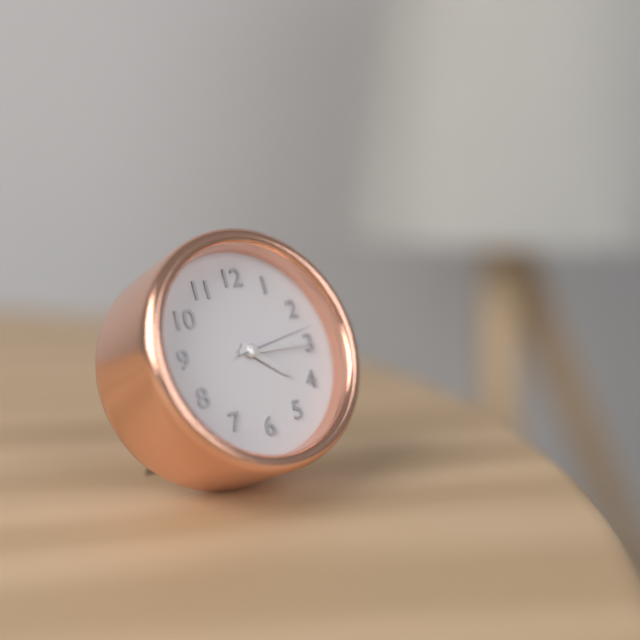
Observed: 4 h 15 min 13 s
